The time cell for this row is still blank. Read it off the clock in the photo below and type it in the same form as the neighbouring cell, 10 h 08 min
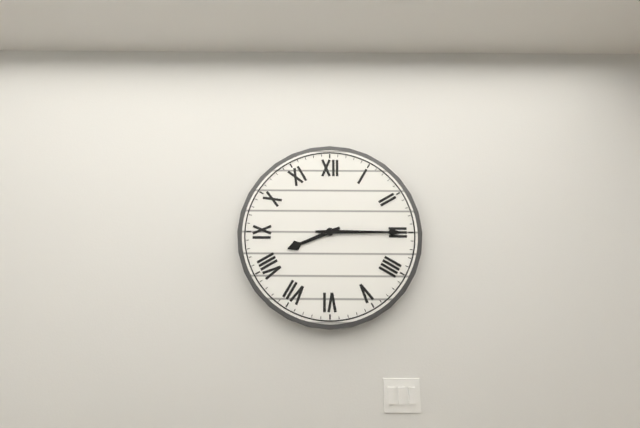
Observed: 8 h 15 min
